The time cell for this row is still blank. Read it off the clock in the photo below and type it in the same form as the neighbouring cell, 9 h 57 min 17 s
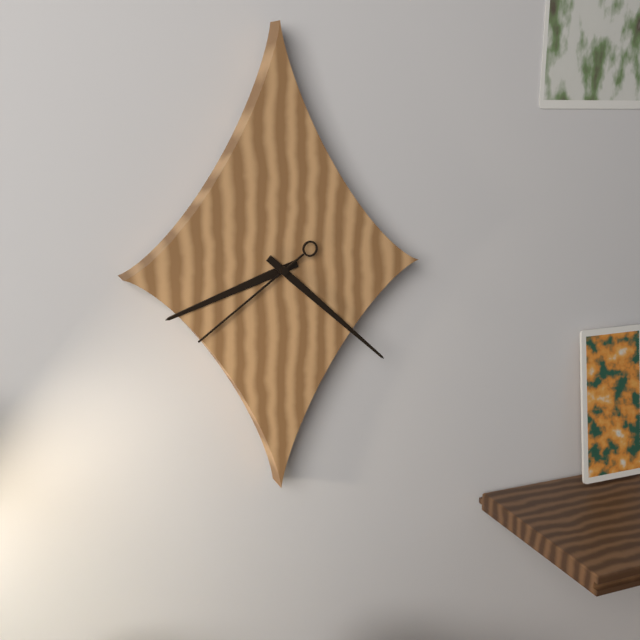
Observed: 8 h 22 min 39 s
